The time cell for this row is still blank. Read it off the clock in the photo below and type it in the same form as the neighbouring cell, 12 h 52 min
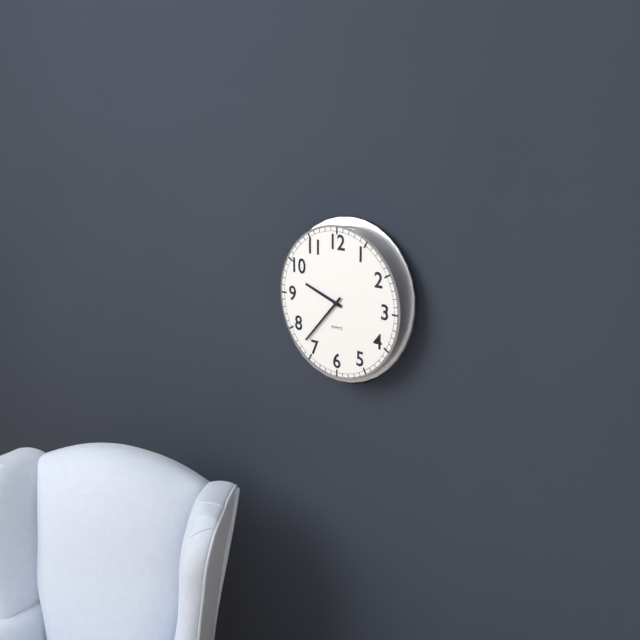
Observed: 9 h 37 min
